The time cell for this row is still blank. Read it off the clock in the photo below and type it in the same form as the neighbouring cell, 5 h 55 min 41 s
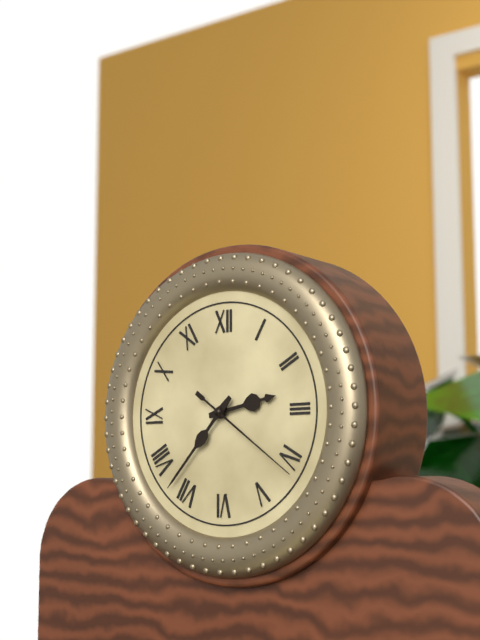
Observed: 2 h 37 min 21 s
